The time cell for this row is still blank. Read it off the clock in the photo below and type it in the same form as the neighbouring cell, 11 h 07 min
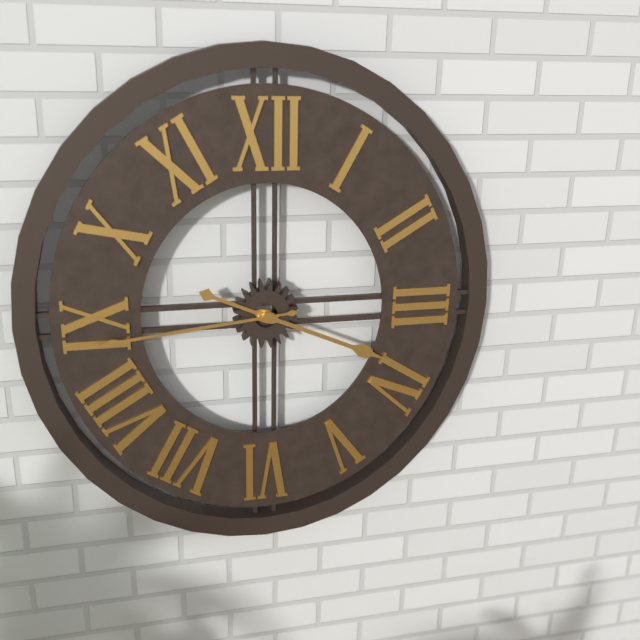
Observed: 3 h 44 min
